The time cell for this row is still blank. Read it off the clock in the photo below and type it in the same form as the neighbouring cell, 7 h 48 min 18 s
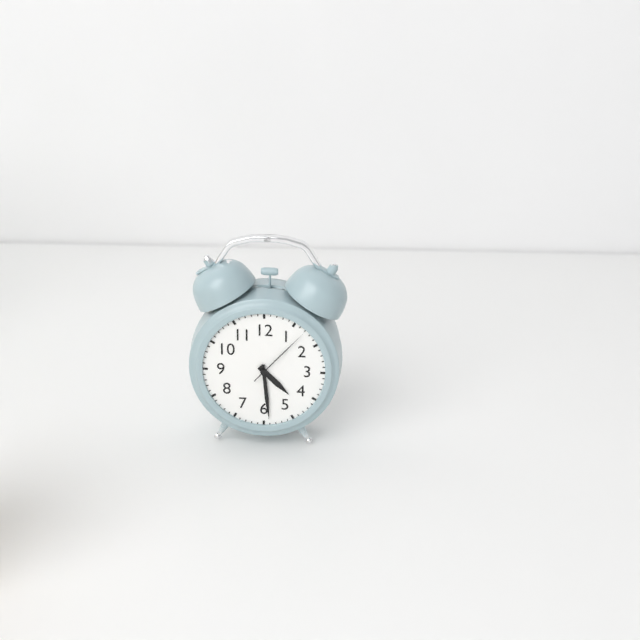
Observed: 4 h 29 min 07 s
